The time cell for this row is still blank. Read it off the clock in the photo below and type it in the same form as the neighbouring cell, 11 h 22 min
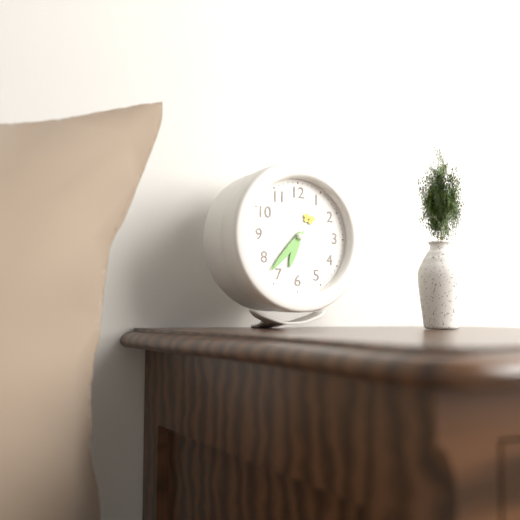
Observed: 6 h 37 min
